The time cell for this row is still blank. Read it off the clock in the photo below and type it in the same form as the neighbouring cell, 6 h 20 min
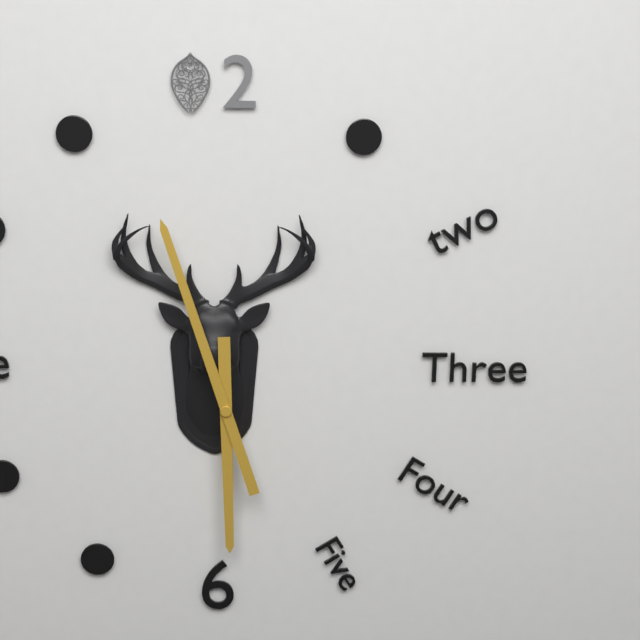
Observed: 5 h 57 min
